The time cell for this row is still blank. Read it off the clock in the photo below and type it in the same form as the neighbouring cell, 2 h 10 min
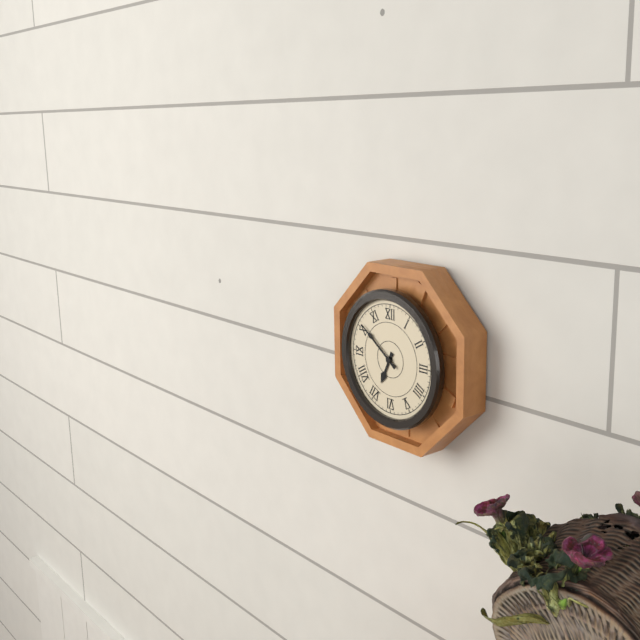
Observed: 6 h 51 min
